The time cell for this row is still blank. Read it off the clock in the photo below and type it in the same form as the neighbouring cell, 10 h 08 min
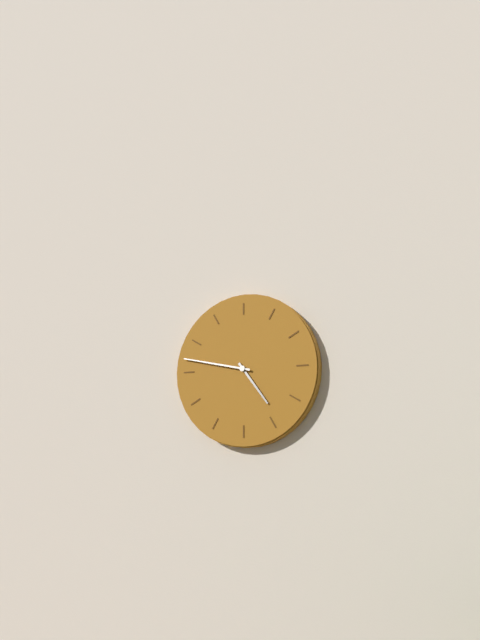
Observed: 4 h 47 min
